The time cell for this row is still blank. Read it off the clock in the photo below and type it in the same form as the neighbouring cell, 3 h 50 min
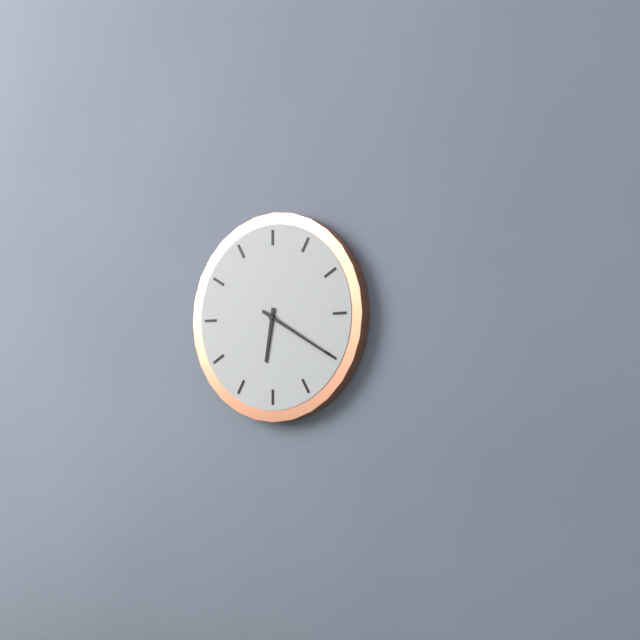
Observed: 6 h 20 min
